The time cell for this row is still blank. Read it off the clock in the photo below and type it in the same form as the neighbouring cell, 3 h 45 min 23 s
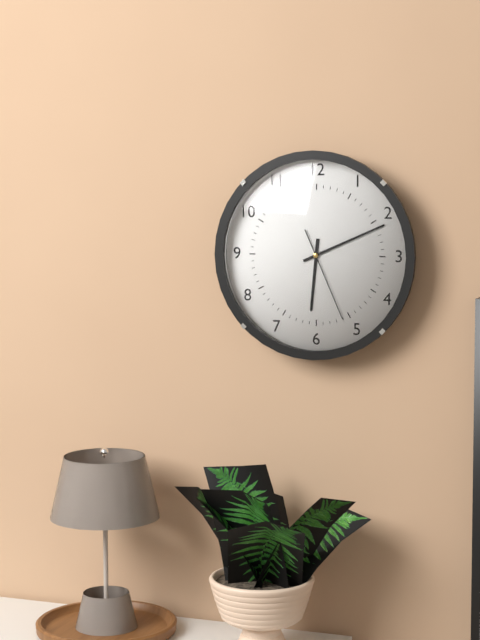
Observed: 6 h 11 min 26 s
